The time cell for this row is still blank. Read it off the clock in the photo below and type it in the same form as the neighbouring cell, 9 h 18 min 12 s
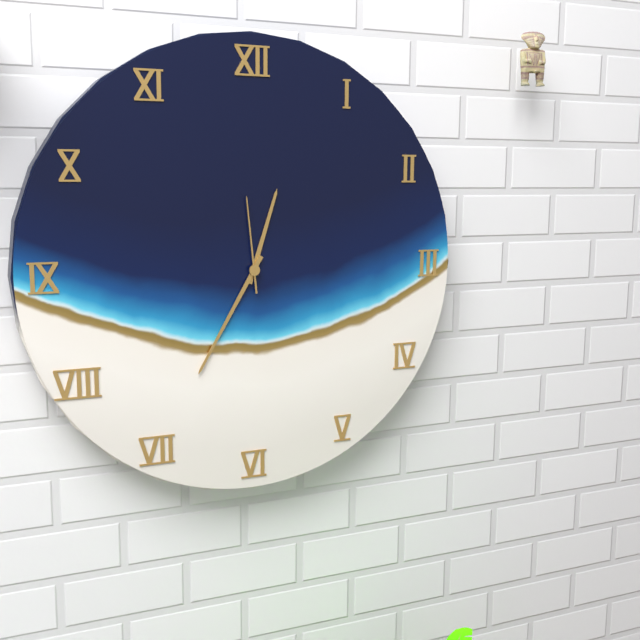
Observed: 12 h 35 min 59 s
